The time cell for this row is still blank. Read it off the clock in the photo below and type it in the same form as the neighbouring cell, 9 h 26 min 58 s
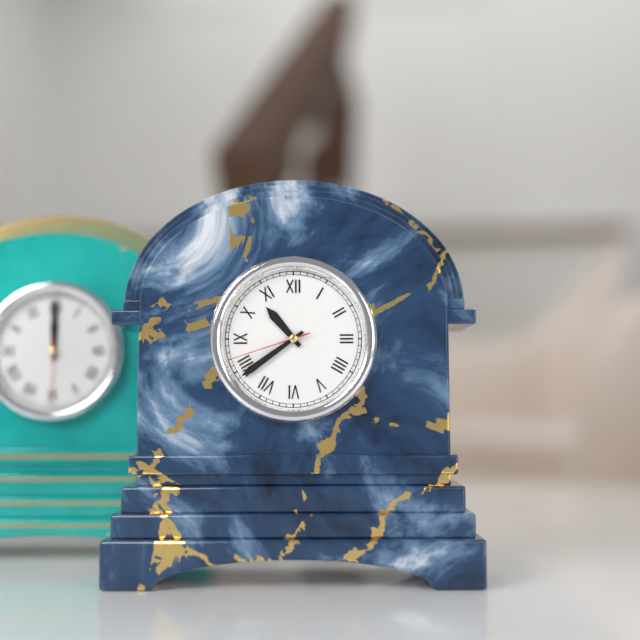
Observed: 10 h 39 min 42 s
